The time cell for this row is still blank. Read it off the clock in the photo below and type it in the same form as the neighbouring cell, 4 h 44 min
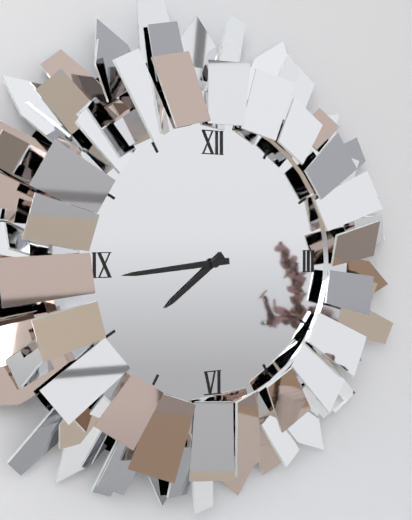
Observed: 7 h 44 min
